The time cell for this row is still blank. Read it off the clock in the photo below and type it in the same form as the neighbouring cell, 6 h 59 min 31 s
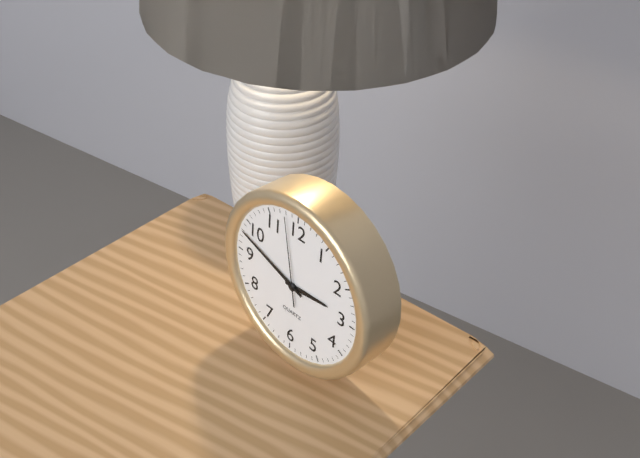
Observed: 2 h 48 min 58 s
